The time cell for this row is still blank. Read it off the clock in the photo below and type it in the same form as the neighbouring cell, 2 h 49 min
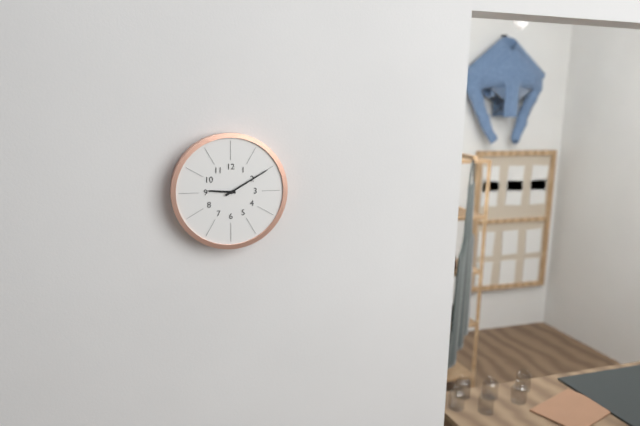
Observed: 9 h 10 min
